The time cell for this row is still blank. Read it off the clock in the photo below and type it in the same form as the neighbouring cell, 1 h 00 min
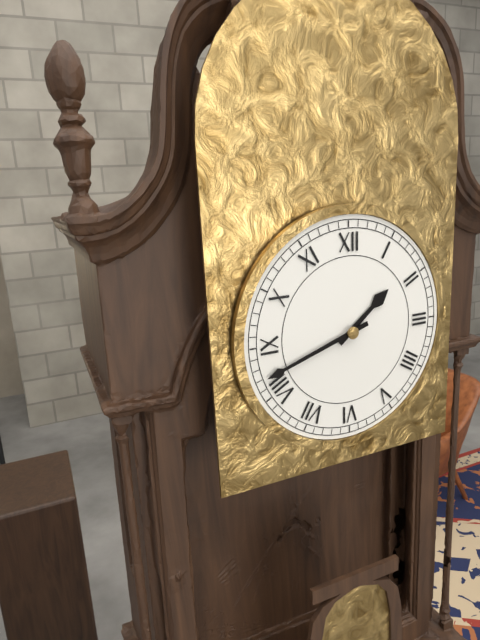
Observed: 1 h 42 min
